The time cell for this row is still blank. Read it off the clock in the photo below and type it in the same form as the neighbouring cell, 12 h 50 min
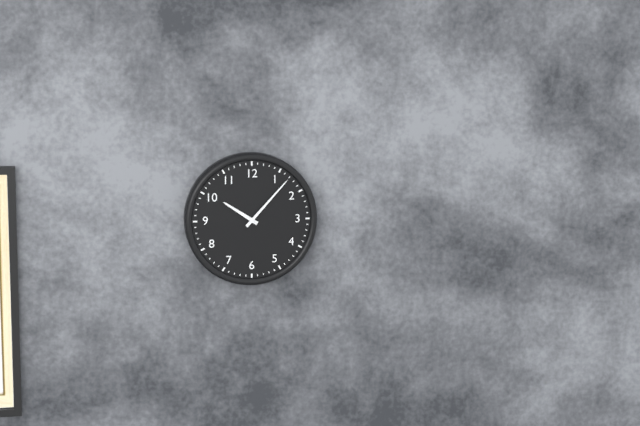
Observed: 10 h 07 min
